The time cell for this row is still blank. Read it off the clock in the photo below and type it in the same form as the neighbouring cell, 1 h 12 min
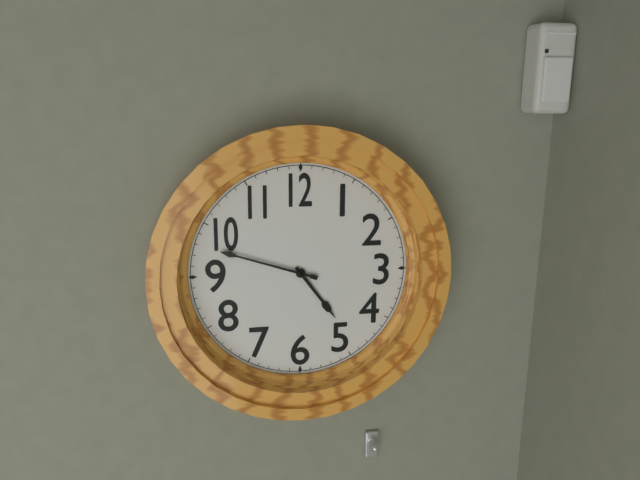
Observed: 4 h 48 min
